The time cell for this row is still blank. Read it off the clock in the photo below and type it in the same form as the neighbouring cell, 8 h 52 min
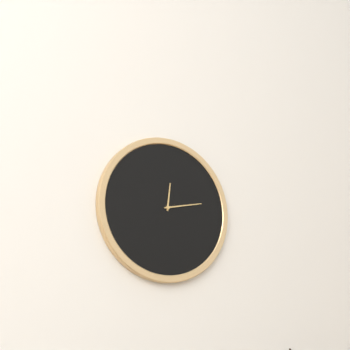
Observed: 12 h 13 min
